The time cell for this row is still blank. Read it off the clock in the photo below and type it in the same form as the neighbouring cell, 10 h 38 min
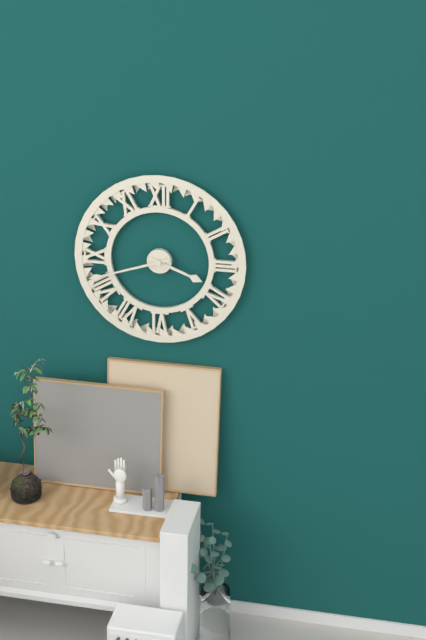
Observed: 3 h 42 min
